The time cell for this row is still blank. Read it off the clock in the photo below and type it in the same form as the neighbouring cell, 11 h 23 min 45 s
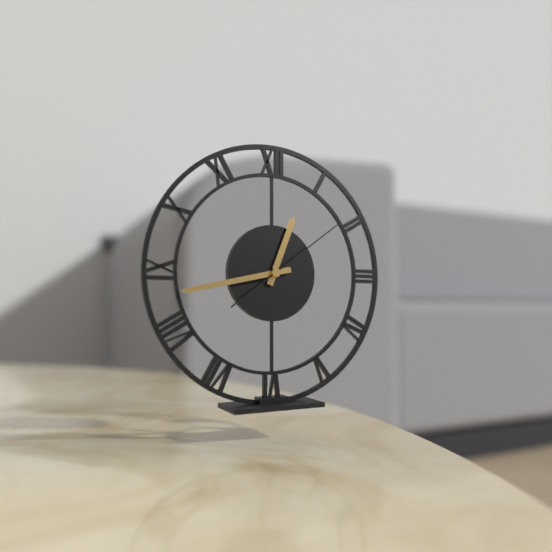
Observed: 12 h 43 min 09 s
